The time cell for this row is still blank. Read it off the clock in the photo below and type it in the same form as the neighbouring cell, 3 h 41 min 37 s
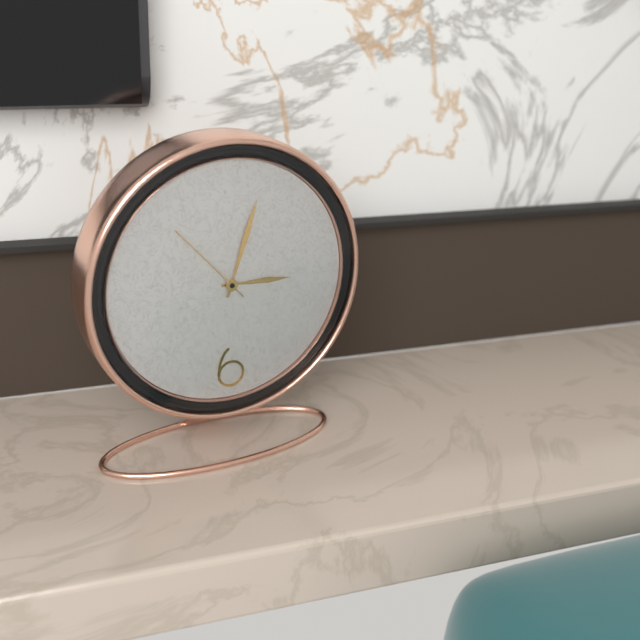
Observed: 3 h 03 min 53 s
